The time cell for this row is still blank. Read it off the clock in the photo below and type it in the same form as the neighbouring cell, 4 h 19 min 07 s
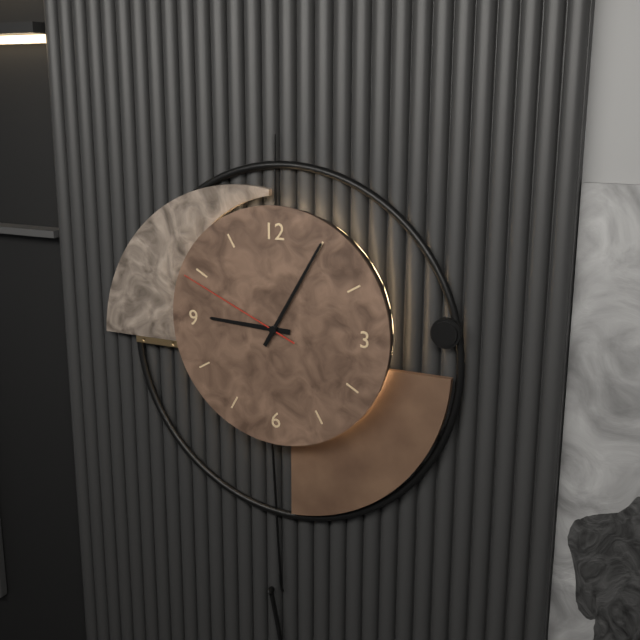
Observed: 9 h 05 min 49 s
